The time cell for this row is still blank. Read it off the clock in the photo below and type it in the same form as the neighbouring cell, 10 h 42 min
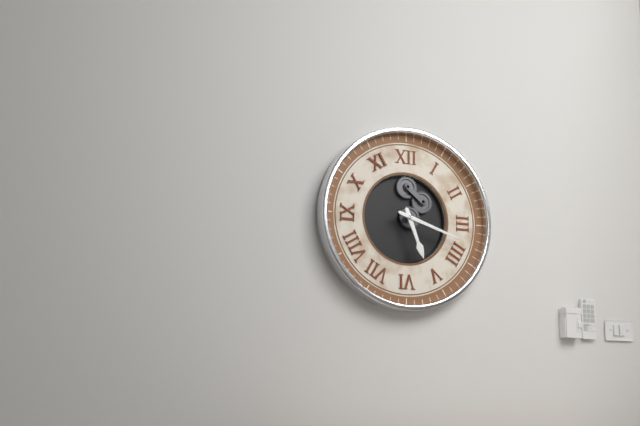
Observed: 5 h 18 min
